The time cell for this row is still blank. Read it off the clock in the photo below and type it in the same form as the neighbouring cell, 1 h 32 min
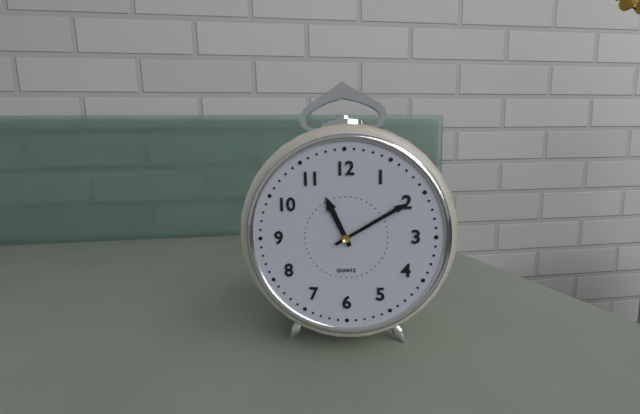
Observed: 11 h 10 min
